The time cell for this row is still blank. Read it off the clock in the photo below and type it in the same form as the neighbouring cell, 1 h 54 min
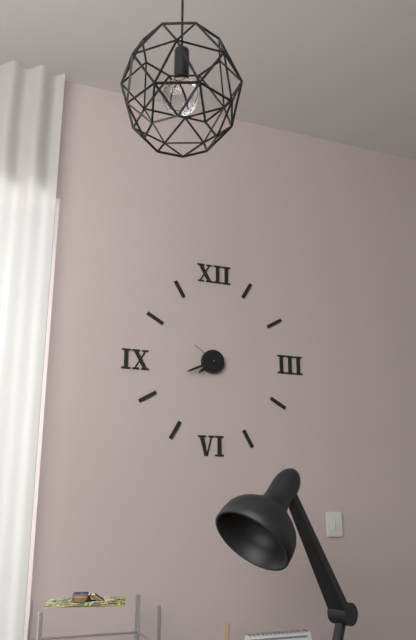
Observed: 7 h 41 min
